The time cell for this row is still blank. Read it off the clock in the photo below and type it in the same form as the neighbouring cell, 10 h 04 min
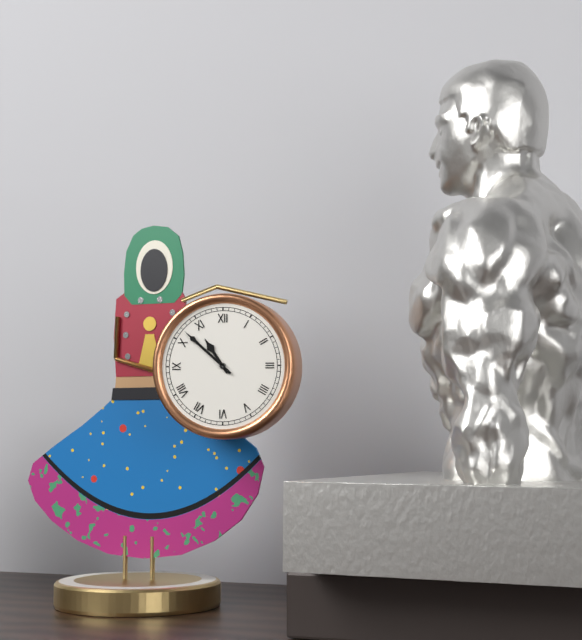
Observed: 10 h 52 min
